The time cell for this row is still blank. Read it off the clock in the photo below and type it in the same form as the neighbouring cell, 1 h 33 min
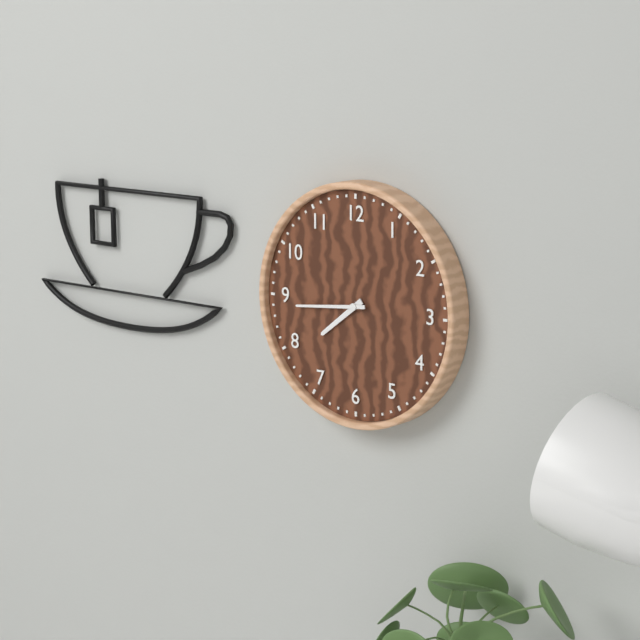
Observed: 7 h 44 min
